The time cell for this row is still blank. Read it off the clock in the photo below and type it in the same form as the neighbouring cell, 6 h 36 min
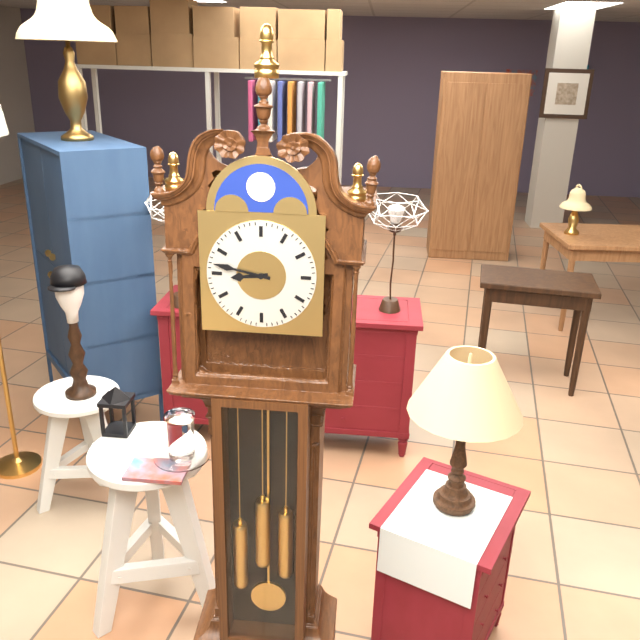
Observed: 8 h 47 min
